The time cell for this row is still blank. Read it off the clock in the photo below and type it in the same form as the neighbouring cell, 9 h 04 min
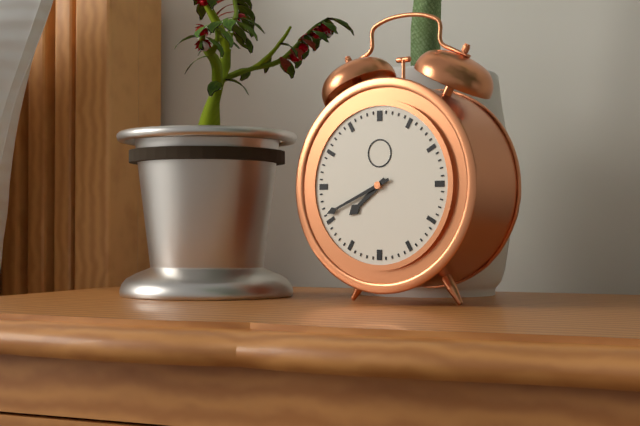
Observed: 7 h 41 min
